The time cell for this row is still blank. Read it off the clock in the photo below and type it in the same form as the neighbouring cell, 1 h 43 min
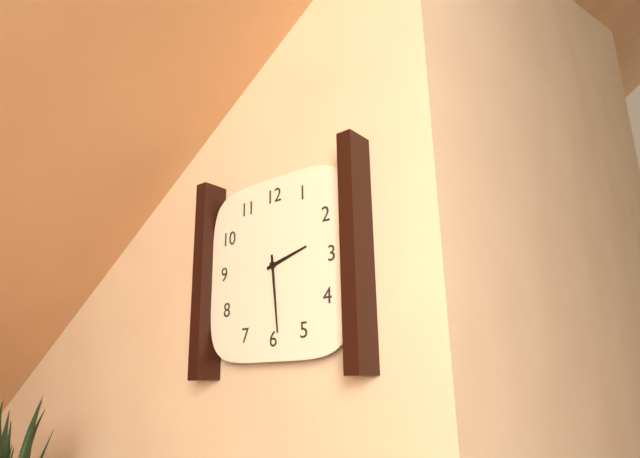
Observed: 2 h 29 min
